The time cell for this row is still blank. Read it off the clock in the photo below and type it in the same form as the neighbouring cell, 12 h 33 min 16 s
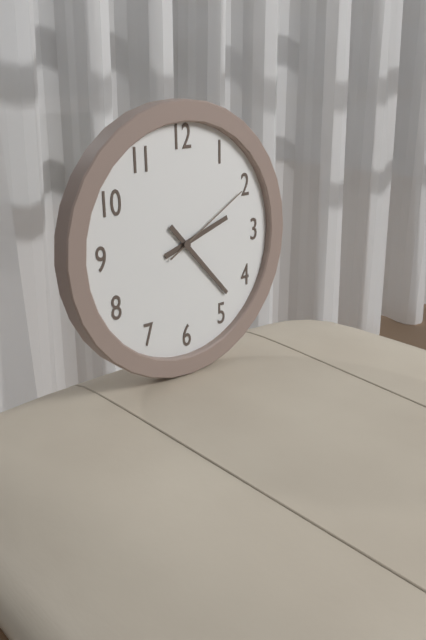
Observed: 2 h 23 min 10 s
